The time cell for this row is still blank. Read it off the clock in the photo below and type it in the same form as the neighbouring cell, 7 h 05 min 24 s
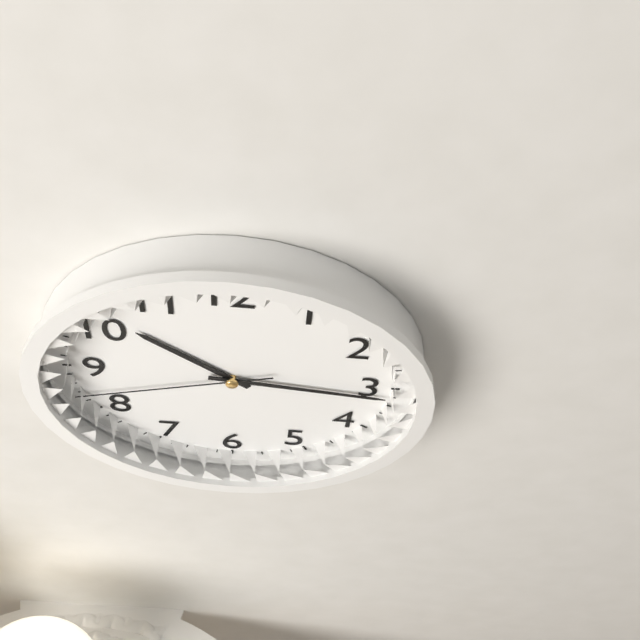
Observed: 10 h 16 min 42 s
